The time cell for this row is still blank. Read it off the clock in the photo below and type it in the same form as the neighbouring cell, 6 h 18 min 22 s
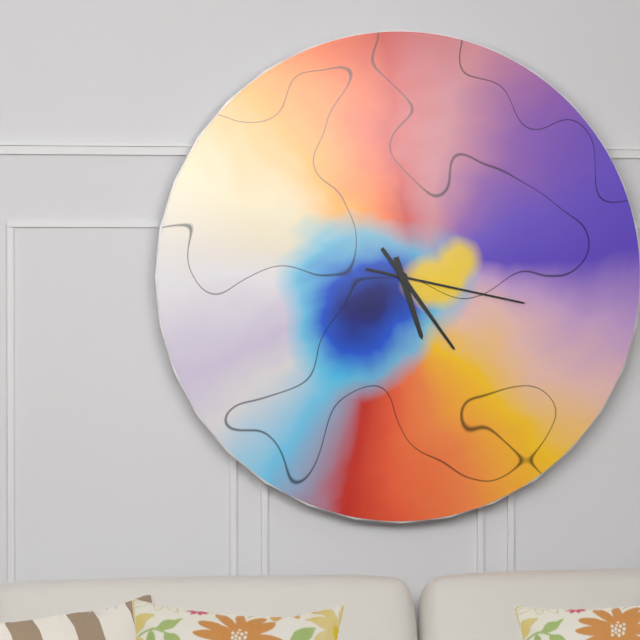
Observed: 5 h 24 min 17 s
